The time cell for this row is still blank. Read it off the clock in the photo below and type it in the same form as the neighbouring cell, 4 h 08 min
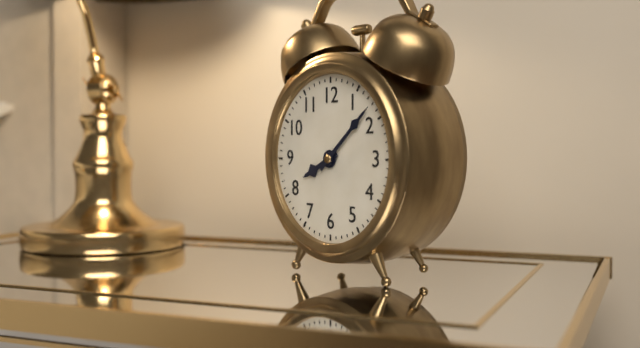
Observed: 8 h 08 min
